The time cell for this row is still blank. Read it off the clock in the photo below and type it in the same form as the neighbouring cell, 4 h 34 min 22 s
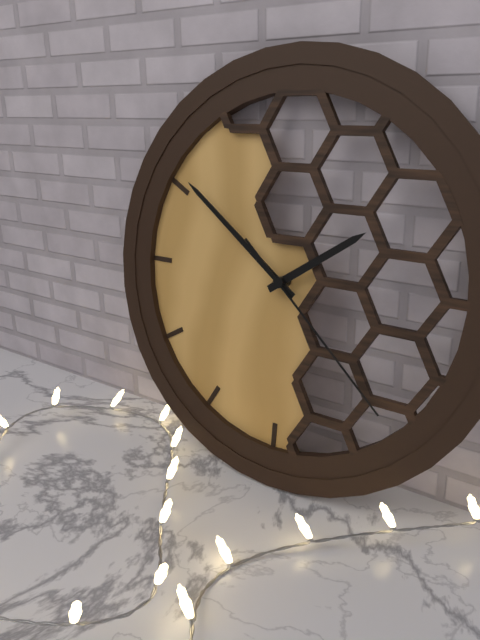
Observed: 1 h 51 min 22 s
